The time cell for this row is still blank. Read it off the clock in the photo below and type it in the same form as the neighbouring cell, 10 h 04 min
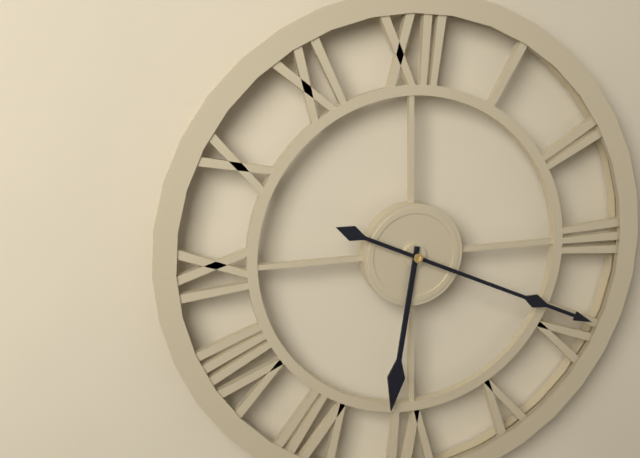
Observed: 6 h 19 min
